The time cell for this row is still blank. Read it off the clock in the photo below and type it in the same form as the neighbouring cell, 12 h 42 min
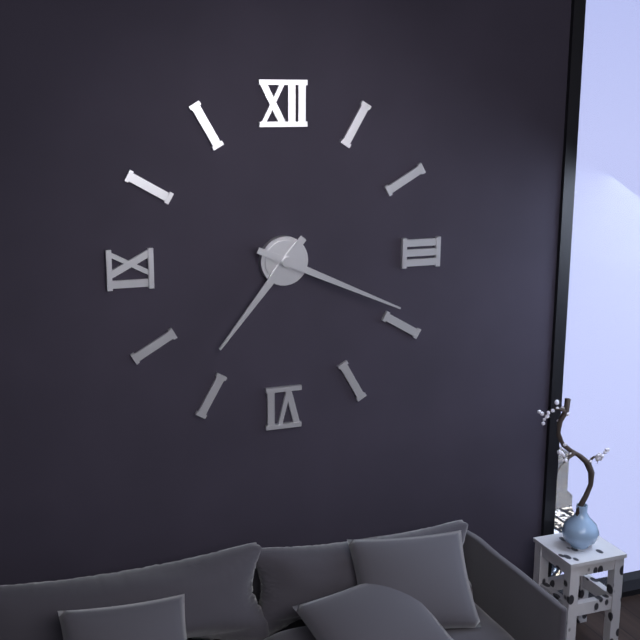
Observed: 7 h 19 min
